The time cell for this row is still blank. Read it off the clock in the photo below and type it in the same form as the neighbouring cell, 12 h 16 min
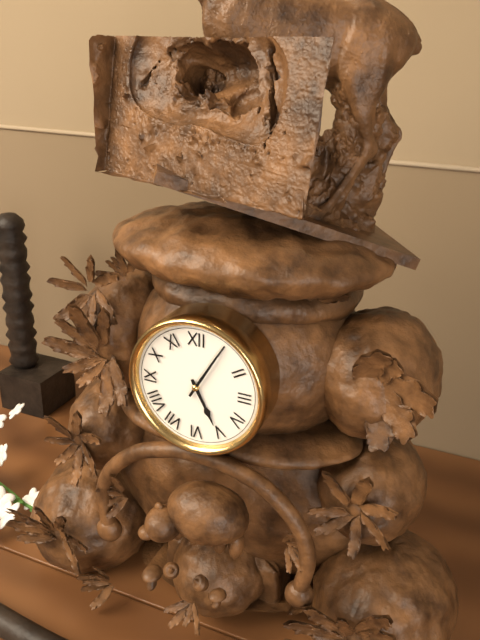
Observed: 5 h 05 min
